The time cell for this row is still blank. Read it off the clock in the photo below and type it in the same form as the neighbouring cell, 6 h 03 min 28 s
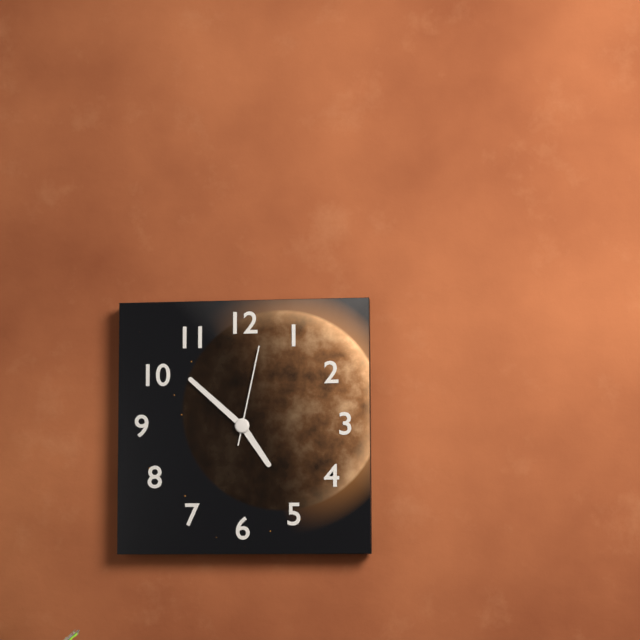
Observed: 4 h 52 min 02 s
